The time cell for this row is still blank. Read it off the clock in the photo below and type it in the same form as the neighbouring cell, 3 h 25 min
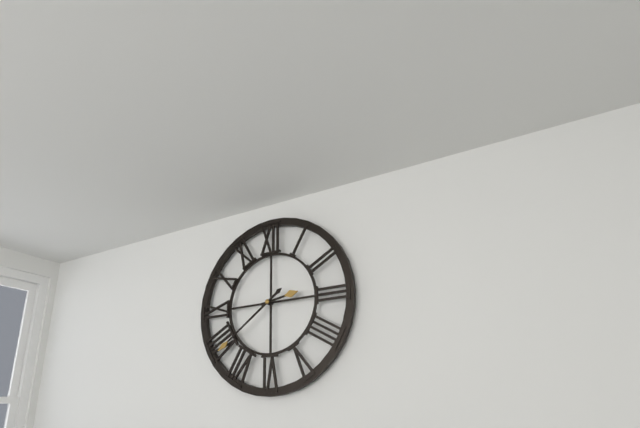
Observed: 2 h 39 min
